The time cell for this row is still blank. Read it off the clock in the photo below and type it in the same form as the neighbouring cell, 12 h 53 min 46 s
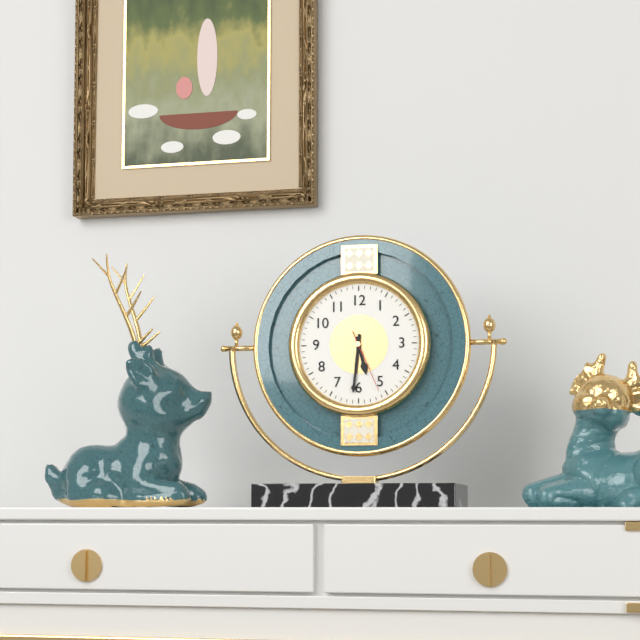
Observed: 5 h 31 min 26 s
